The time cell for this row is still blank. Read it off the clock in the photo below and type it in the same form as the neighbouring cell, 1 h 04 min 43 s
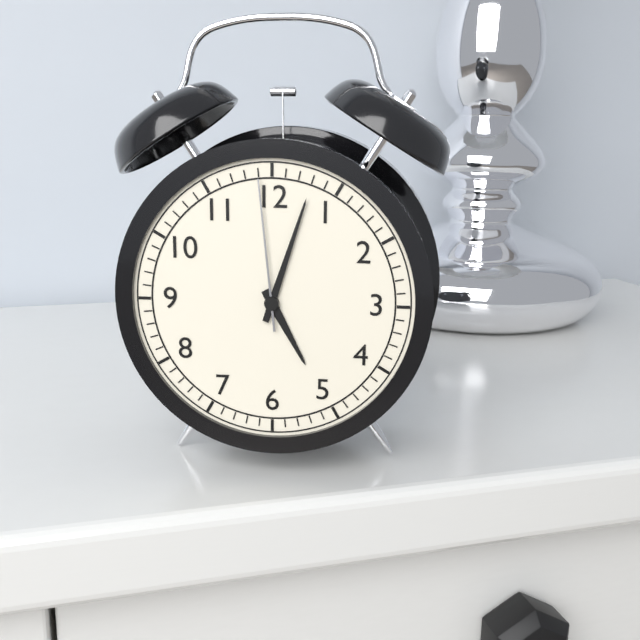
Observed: 5 h 03 min 59 s
